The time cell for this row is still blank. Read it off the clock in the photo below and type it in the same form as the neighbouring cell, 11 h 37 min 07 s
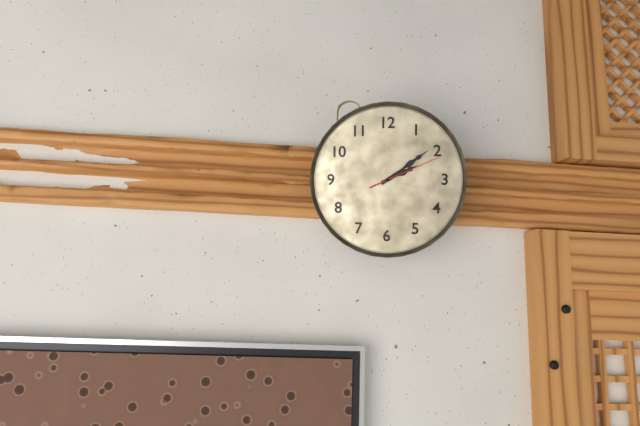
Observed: 2 h 09 min 11 s
